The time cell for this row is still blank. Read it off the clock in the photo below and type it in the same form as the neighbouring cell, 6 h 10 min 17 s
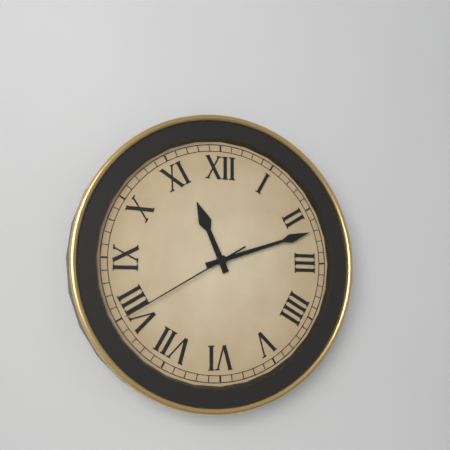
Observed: 11 h 12 min 40 s
